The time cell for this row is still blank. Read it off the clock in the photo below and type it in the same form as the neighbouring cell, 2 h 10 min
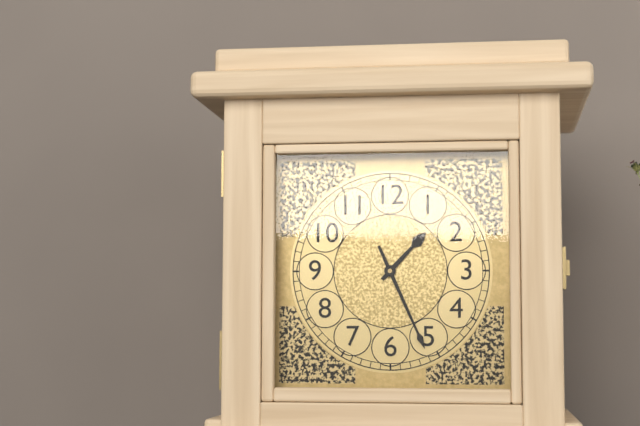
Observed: 1 h 26 min
